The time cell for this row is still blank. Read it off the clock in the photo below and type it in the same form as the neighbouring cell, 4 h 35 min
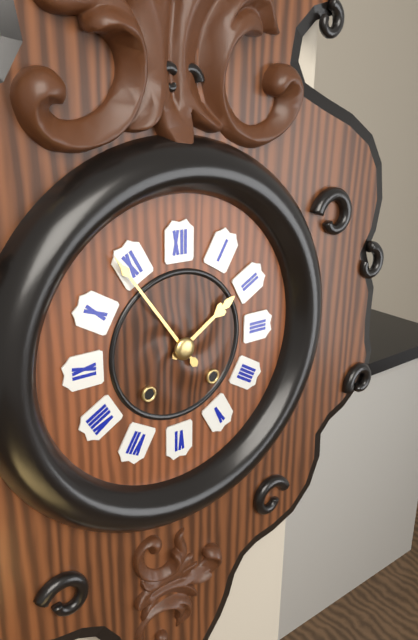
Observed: 1 h 54 min
